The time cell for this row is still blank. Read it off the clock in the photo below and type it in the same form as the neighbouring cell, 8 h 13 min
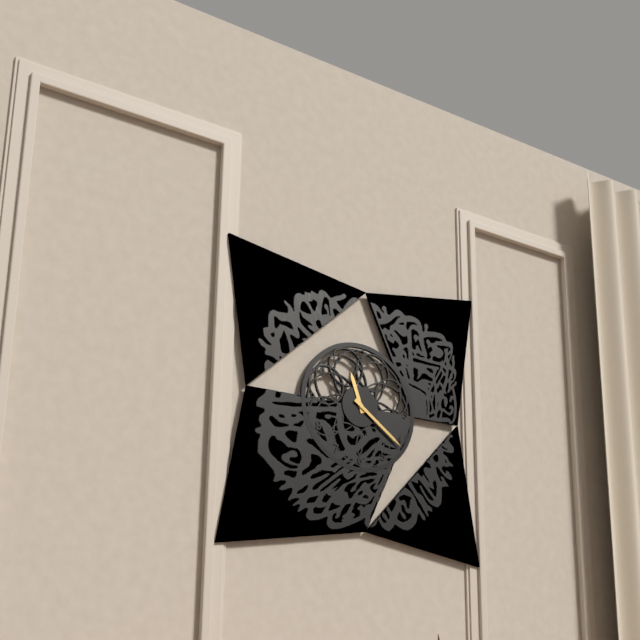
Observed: 11 h 21 min
